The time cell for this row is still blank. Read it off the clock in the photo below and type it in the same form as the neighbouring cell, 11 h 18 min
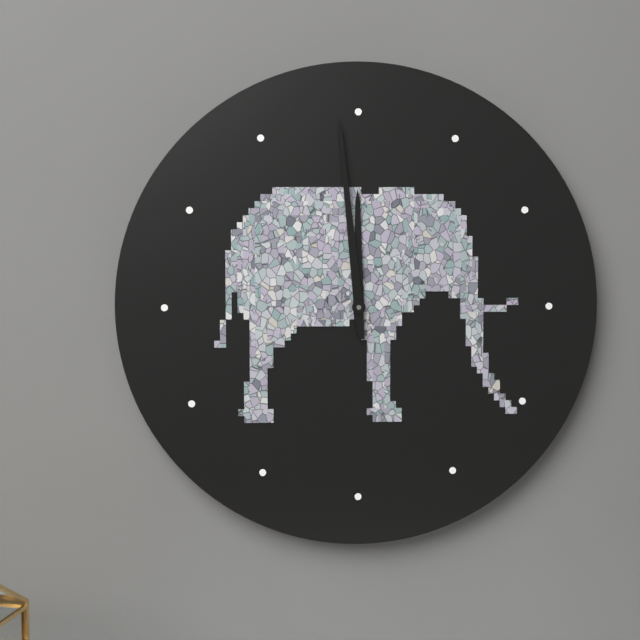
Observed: 11 h 59 min
